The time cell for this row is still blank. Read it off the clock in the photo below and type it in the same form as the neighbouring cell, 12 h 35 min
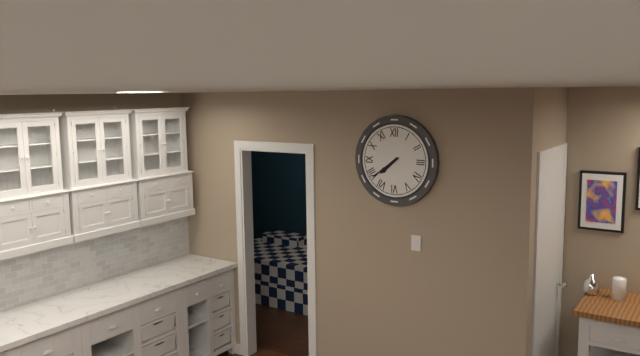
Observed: 7 h 39 min
